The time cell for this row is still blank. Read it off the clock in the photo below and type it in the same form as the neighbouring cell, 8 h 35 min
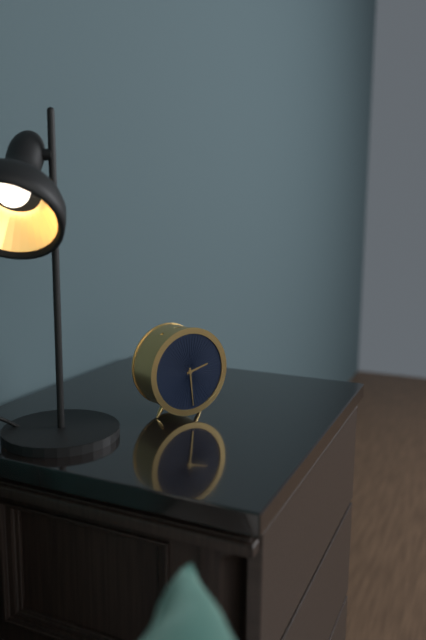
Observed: 2 h 29 min
